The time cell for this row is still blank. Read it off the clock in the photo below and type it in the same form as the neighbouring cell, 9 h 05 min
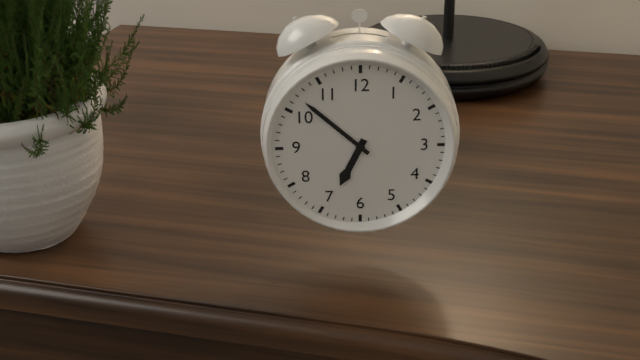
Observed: 6 h 52 min
